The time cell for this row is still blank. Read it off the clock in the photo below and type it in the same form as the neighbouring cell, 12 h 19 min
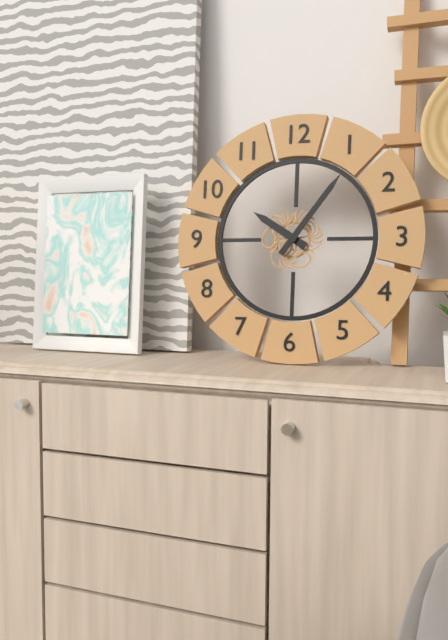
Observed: 10 h 06 min
